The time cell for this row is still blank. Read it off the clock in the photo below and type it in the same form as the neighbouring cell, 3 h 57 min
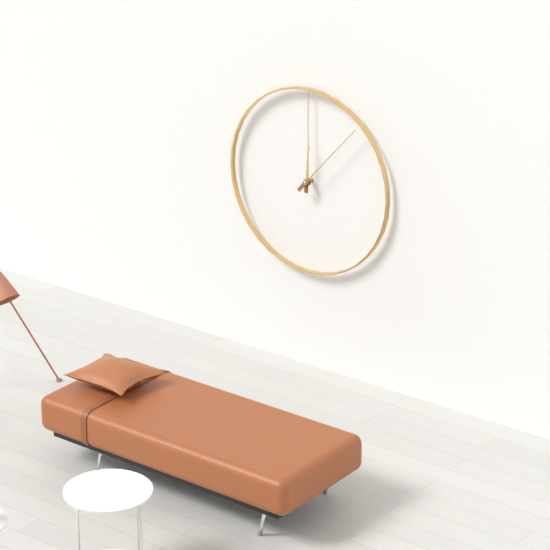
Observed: 12 h 07 min
